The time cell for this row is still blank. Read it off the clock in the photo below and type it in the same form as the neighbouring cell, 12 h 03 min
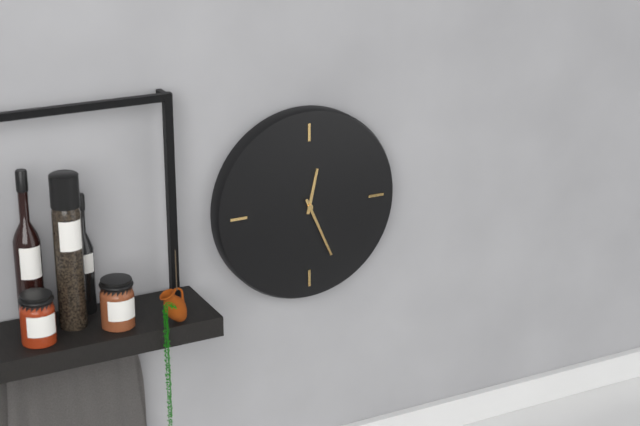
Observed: 12 h 26 min
